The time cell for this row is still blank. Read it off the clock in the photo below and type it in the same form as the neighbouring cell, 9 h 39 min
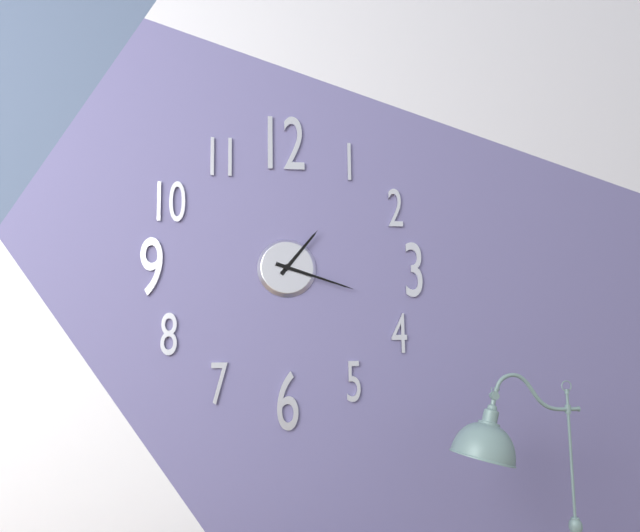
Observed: 1 h 18 min
